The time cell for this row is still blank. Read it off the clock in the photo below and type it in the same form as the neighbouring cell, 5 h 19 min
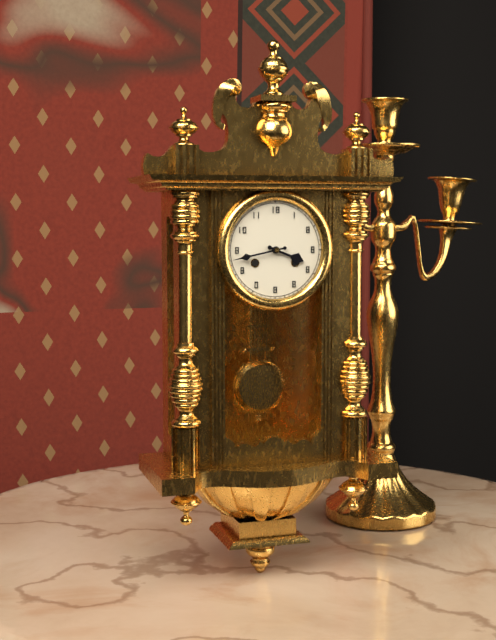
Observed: 3 h 43 min
